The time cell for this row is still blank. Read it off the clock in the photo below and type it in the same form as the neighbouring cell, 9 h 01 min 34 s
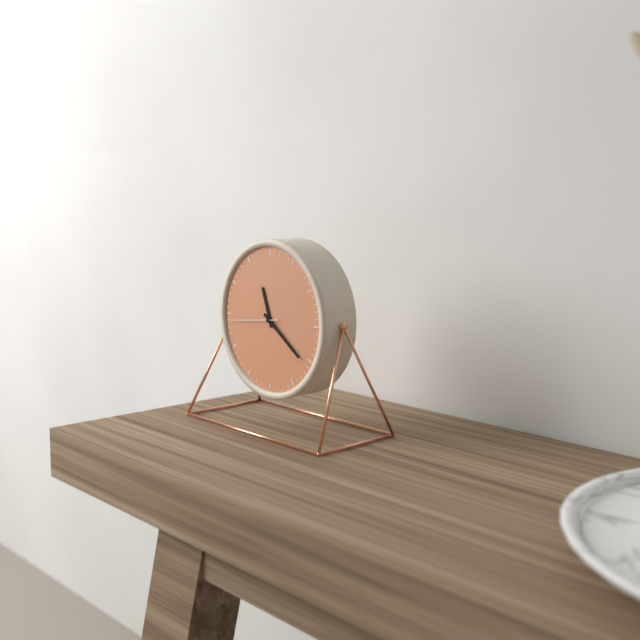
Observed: 11 h 21 min 44 s
